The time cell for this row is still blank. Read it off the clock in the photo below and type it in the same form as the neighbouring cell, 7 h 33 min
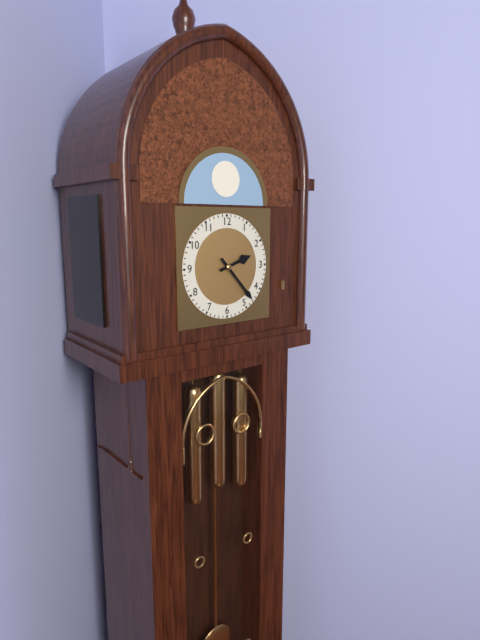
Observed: 2 h 23 min
